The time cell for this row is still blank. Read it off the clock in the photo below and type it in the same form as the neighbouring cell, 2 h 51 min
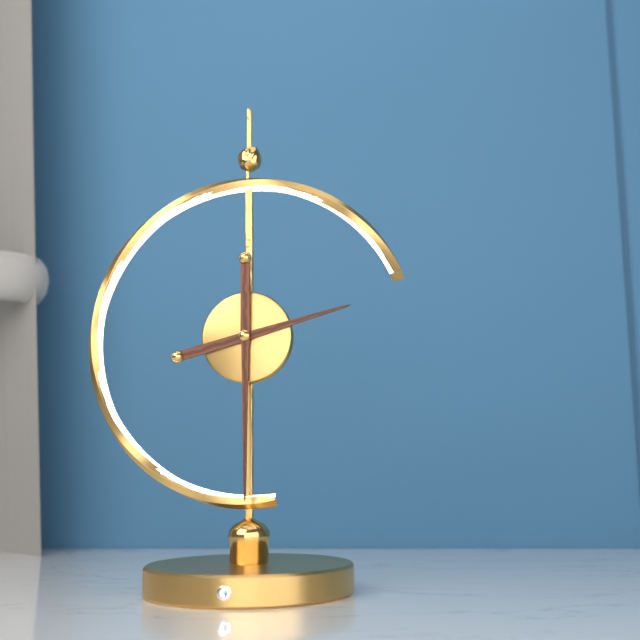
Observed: 2 h 30 min
